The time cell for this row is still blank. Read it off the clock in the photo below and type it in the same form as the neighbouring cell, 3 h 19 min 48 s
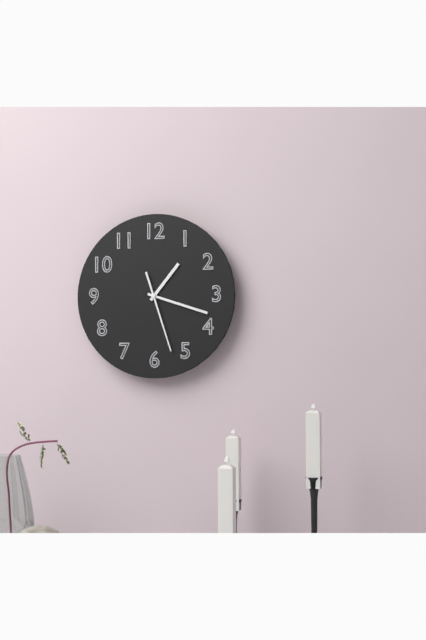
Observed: 1 h 18 min 27 s
